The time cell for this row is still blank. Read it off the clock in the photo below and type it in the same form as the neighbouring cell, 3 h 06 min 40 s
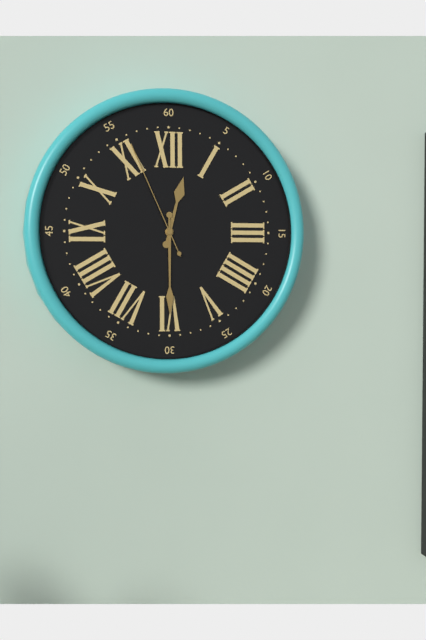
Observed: 12 h 30 min 56 s
